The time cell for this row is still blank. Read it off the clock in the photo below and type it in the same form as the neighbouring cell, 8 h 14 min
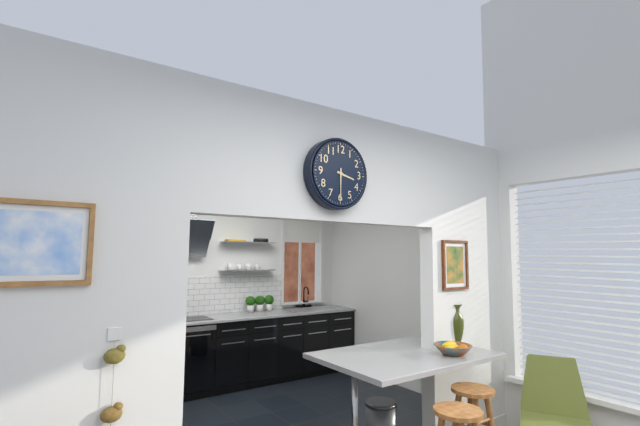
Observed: 3 h 30 min
